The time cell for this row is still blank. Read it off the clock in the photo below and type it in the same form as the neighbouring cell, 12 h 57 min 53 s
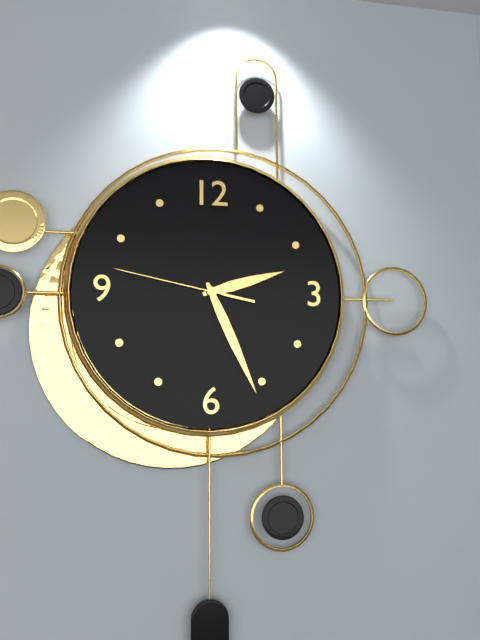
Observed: 2 h 26 min 47 s
